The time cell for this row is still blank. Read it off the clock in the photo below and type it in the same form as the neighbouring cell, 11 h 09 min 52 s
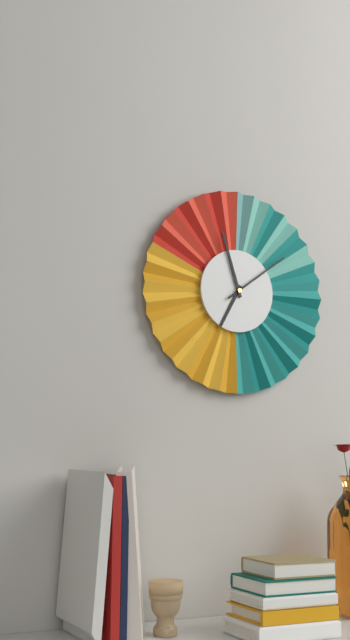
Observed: 6 h 57 min 09 s
